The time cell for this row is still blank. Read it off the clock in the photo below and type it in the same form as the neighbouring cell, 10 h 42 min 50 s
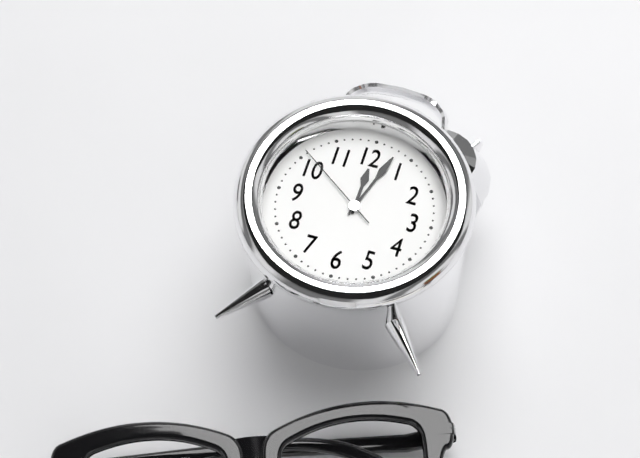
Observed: 12 h 03 min 51 s
